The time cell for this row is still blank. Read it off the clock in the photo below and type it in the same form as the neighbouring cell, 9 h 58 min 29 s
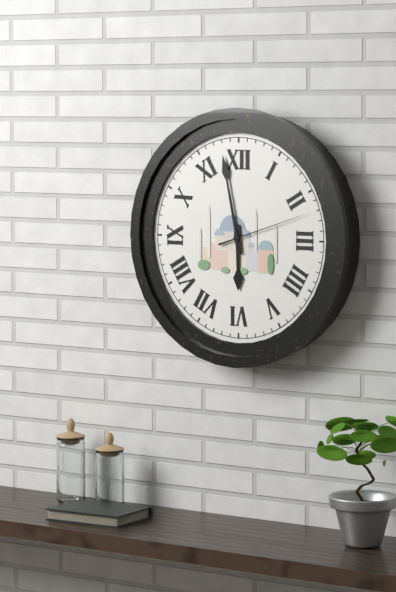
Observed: 5 h 58 min 12 s
